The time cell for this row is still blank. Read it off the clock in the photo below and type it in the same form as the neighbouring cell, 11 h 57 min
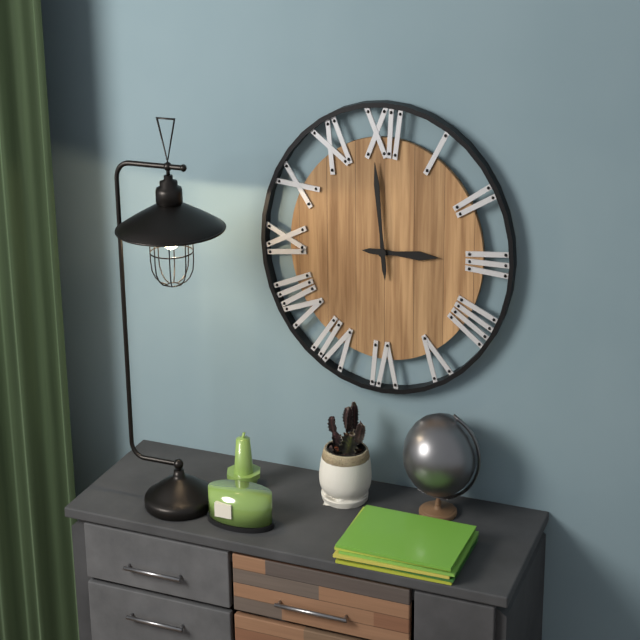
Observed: 2 h 59 min
